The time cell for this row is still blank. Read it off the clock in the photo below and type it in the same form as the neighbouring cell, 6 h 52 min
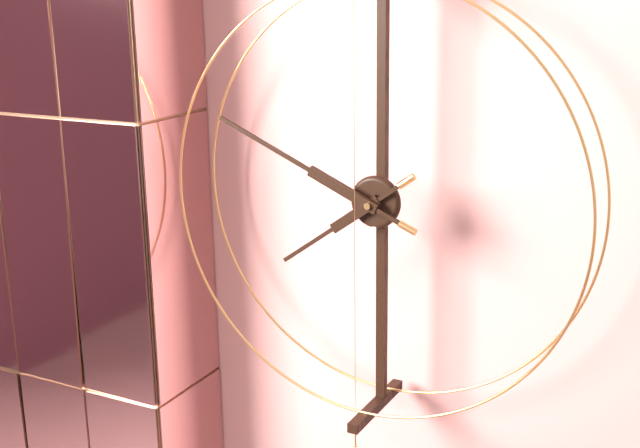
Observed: 7 h 49 min
